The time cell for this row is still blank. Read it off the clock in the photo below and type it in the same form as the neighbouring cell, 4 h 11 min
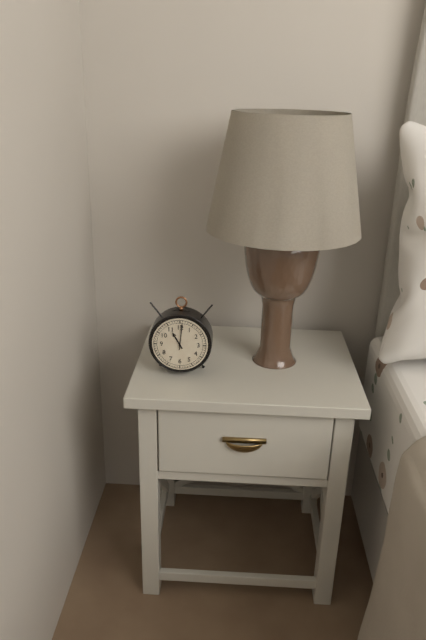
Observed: 11 h 01 min
